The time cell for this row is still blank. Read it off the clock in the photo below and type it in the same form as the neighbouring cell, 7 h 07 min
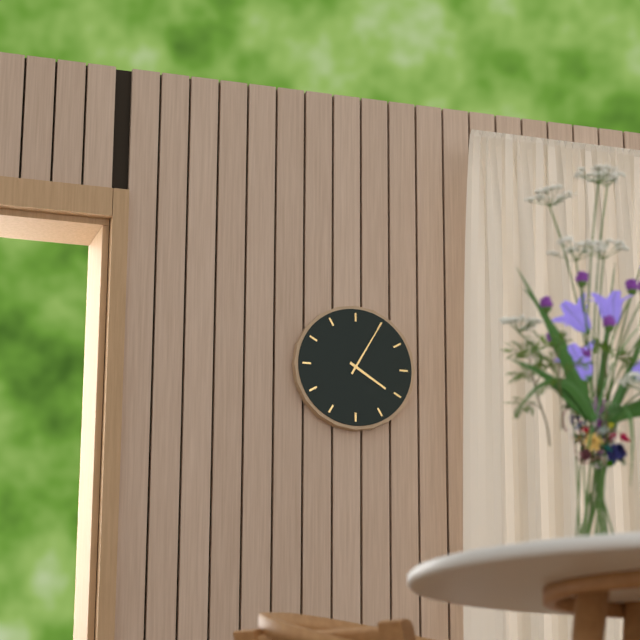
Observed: 4 h 05 min
